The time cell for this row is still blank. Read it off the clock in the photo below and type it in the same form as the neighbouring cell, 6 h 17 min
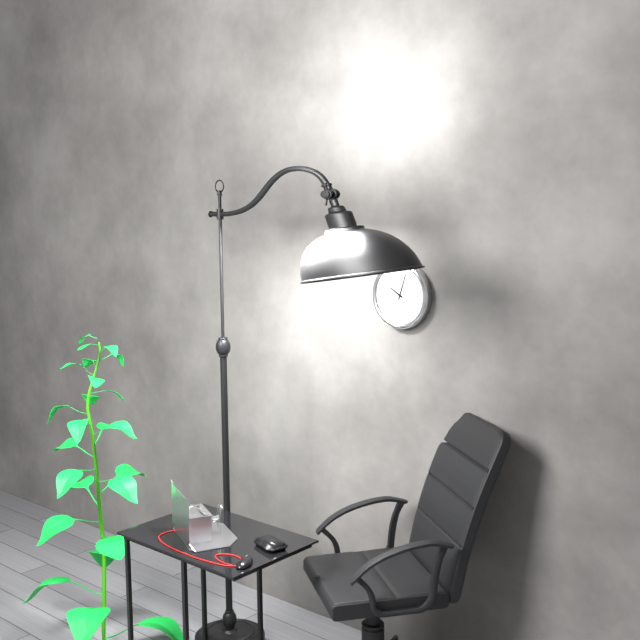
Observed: 10 h 03 min
